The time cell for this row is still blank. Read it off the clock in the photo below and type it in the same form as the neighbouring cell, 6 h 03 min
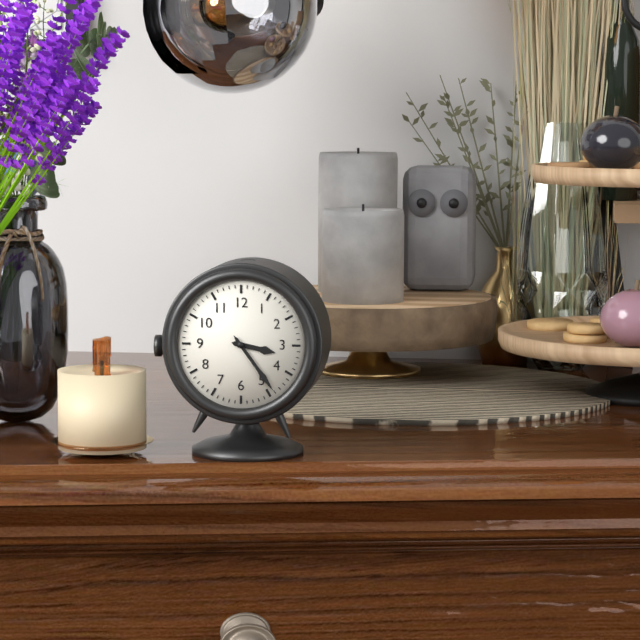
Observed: 3 h 24 min
